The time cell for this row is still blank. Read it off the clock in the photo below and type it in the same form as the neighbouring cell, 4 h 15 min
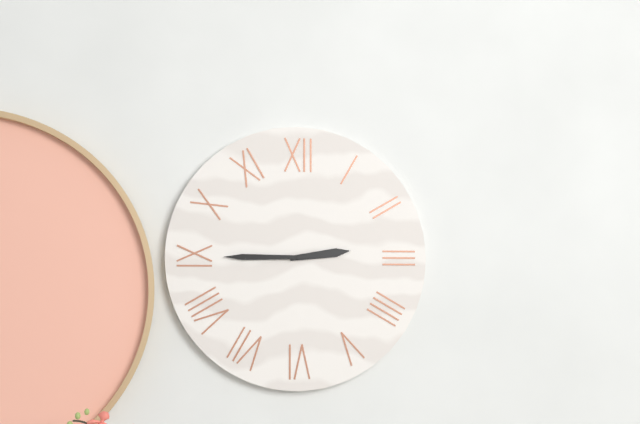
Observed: 2 h 45 min
